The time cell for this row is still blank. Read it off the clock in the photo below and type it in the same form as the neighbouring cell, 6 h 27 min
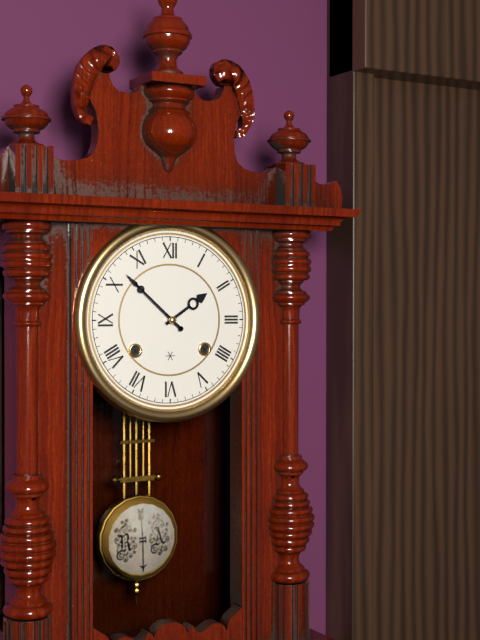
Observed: 1 h 52 min
